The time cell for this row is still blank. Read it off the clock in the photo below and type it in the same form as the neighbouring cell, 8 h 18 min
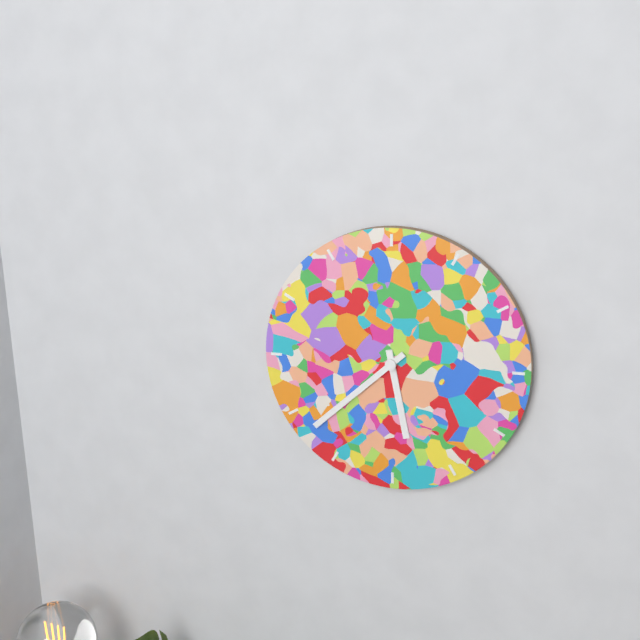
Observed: 5 h 38 min
